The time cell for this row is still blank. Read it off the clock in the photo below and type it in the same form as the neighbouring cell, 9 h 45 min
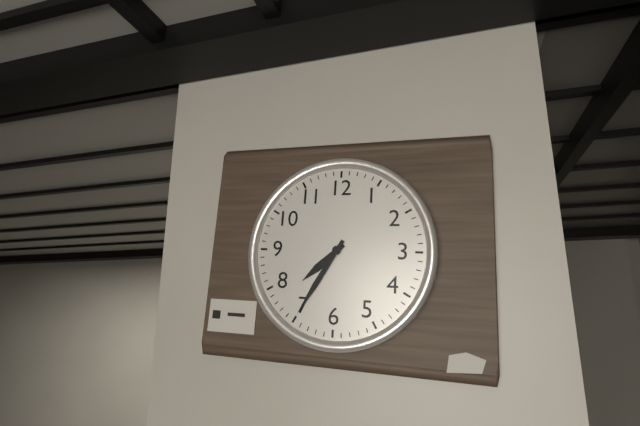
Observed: 7 h 35 min
